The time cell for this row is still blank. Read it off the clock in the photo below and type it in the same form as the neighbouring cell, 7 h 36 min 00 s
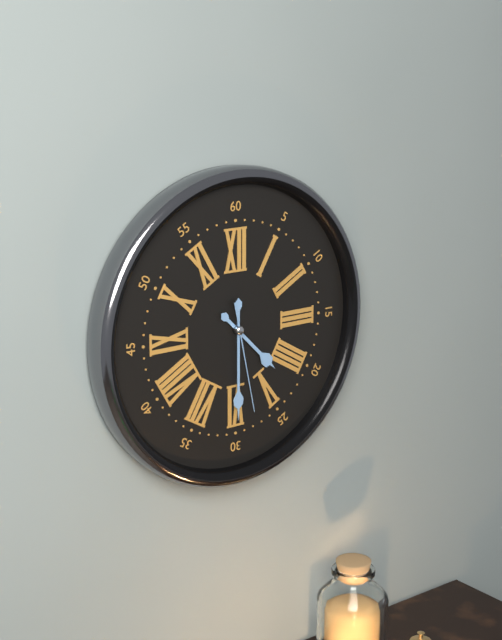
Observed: 4 h 30 min 28 s
